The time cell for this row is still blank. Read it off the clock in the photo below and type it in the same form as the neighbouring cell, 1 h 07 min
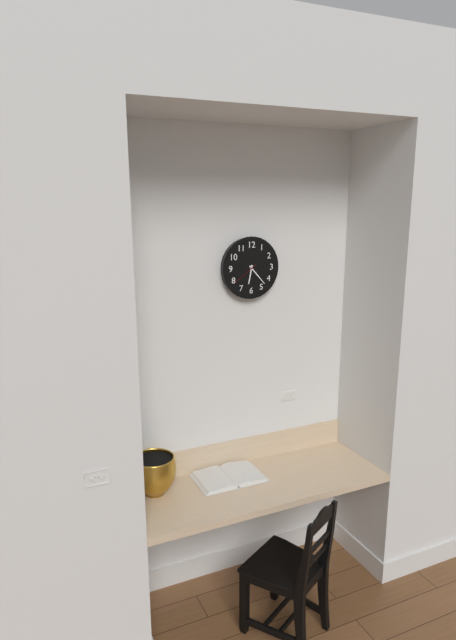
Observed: 6 h 23 min
